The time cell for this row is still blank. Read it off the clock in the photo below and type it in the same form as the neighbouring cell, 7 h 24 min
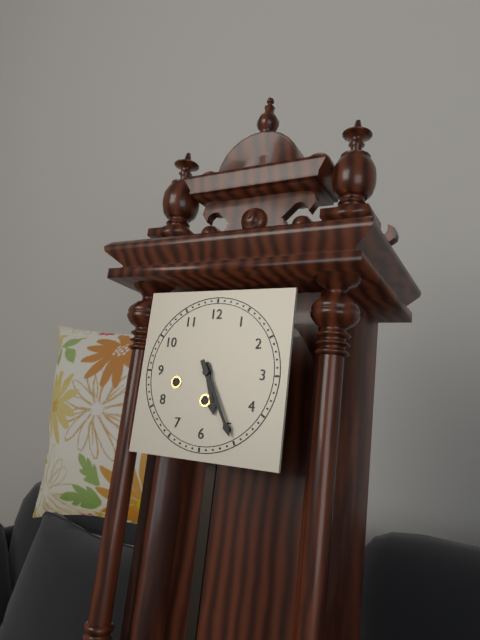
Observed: 5 h 25 min
